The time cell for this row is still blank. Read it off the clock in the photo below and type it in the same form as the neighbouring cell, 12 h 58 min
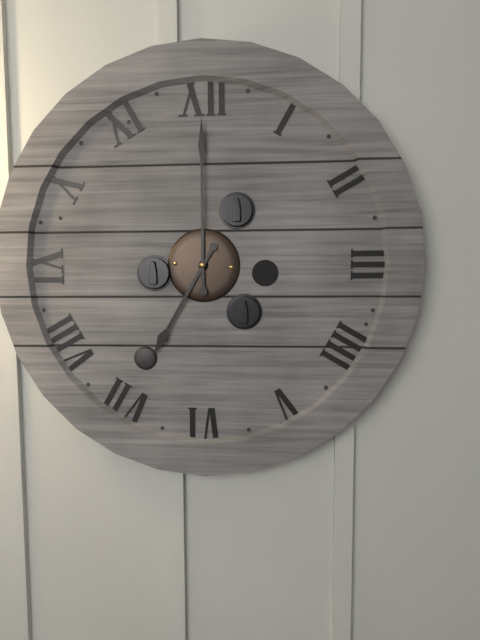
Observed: 7 h 00 min
